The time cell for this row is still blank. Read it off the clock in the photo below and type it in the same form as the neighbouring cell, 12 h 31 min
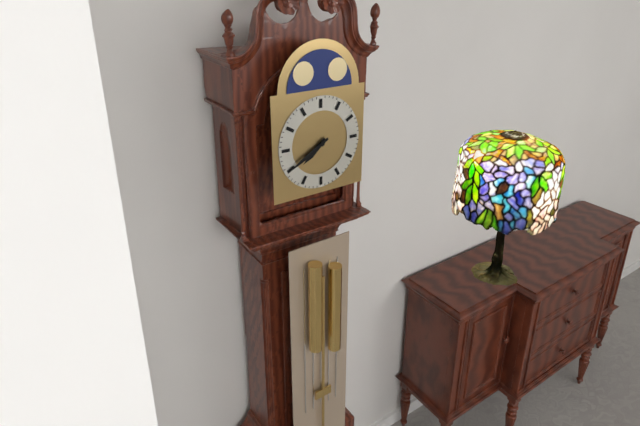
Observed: 7 h 40 min
